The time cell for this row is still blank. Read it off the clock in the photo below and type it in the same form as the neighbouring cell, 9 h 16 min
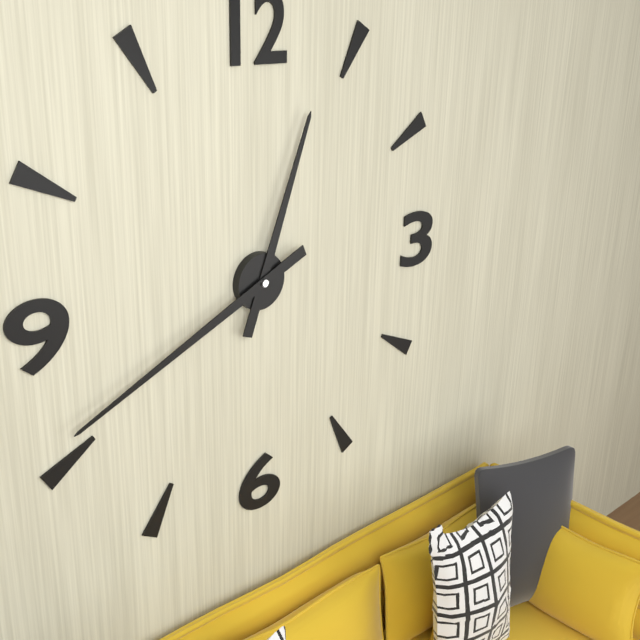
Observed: 12 h 41 min
